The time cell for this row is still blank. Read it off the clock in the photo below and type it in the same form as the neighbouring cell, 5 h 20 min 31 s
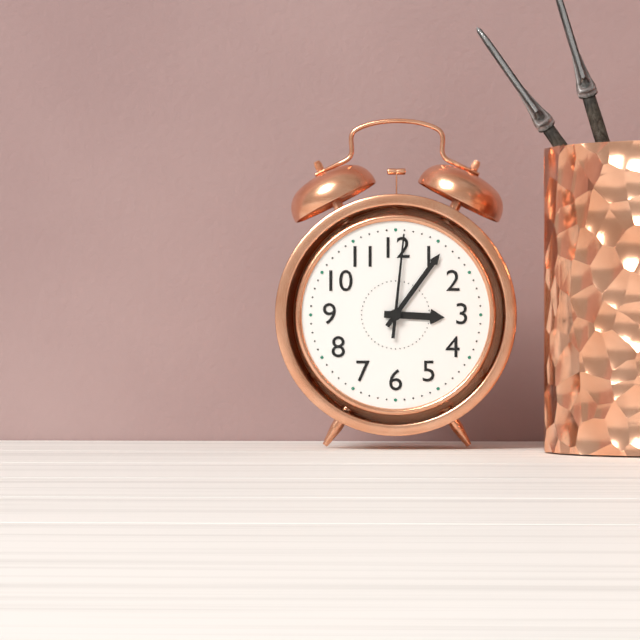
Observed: 3 h 06 min 01 s
